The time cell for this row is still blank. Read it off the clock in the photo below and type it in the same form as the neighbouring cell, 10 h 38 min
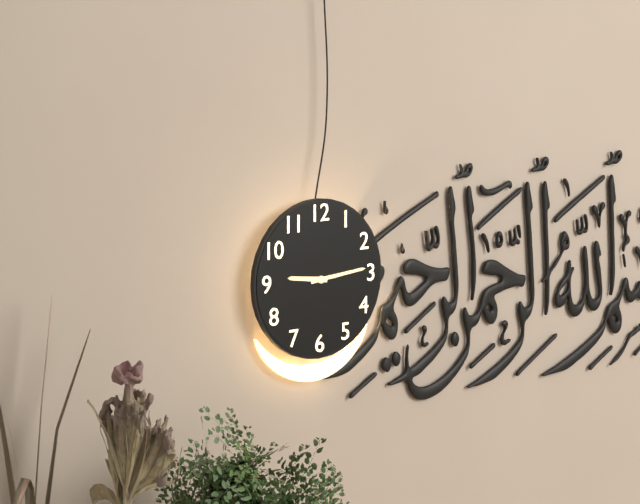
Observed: 9 h 14 min
